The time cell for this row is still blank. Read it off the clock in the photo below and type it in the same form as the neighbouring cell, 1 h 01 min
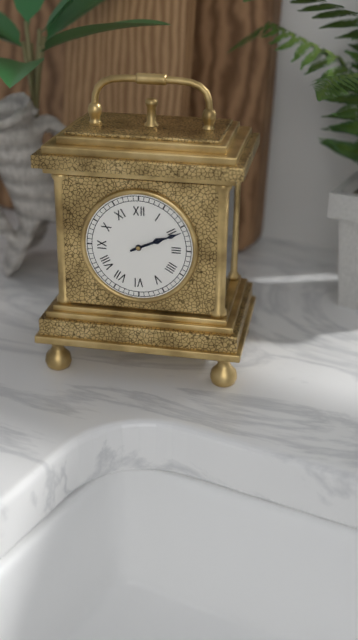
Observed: 2 h 11 min
